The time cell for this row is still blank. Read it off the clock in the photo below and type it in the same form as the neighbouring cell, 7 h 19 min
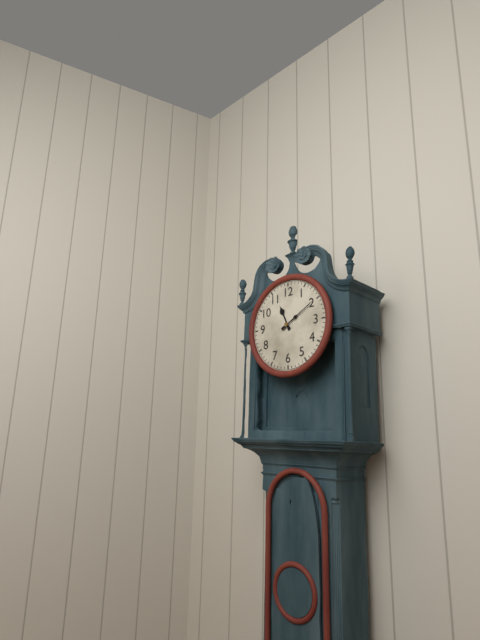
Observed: 11 h 10 min
